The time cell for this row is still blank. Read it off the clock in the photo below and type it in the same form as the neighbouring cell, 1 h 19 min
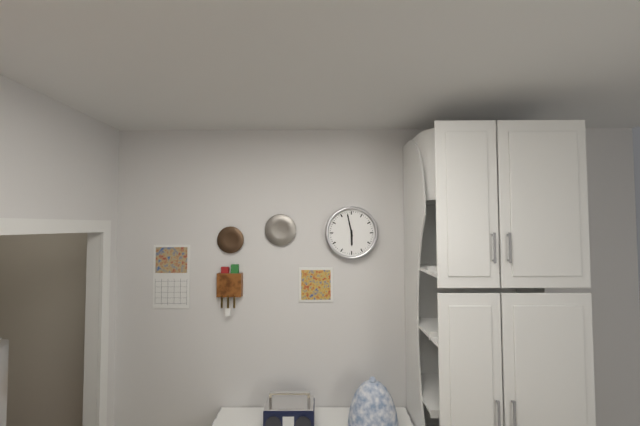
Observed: 5 h 58 min
